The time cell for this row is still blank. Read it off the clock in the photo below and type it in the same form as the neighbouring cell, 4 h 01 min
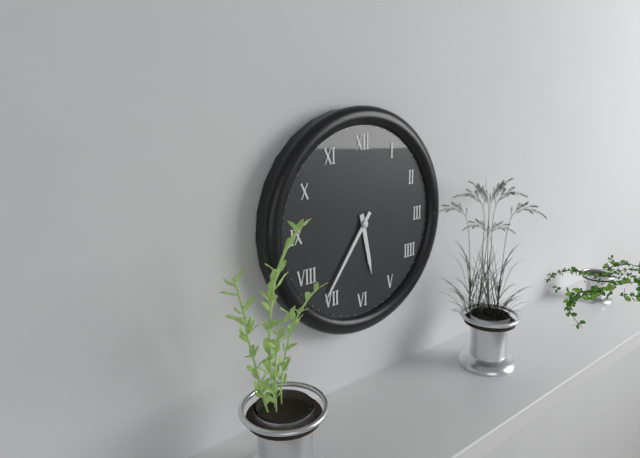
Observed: 5 h 36 min
